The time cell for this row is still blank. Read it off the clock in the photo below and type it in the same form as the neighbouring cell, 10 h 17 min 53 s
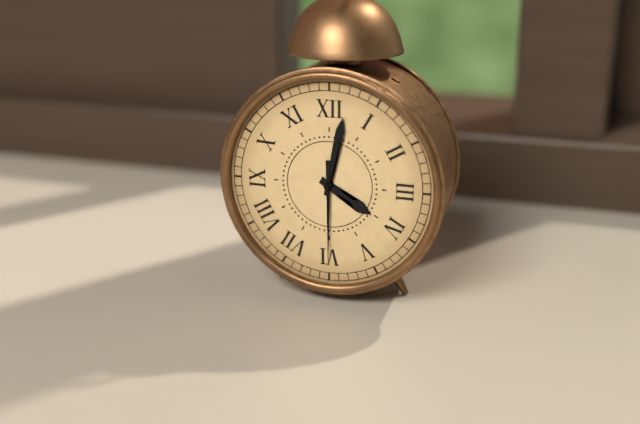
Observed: 4 h 02 min 30 s
